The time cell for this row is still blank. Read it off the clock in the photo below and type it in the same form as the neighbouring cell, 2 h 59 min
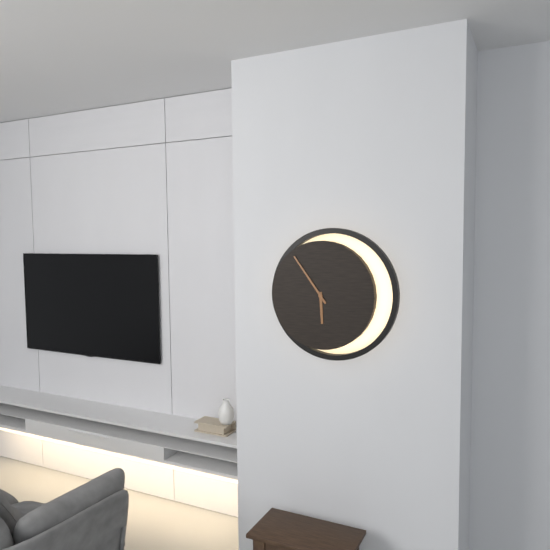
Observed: 5 h 54 min
